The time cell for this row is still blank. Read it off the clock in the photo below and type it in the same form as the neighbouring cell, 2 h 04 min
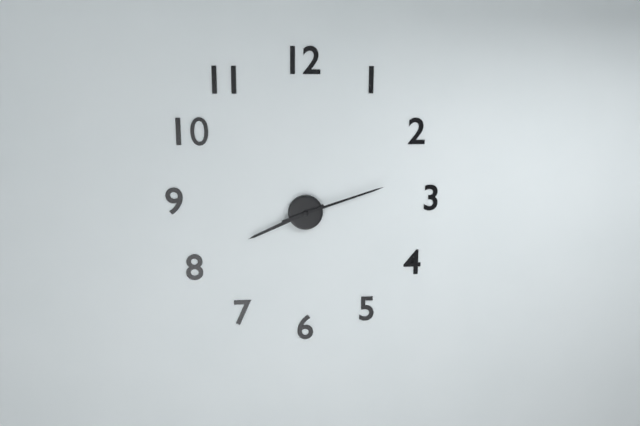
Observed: 8 h 12 min
